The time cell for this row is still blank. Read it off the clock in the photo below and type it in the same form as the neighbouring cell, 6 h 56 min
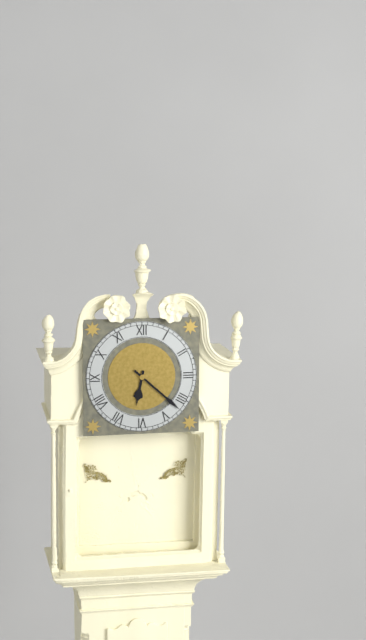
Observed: 6 h 22 min
